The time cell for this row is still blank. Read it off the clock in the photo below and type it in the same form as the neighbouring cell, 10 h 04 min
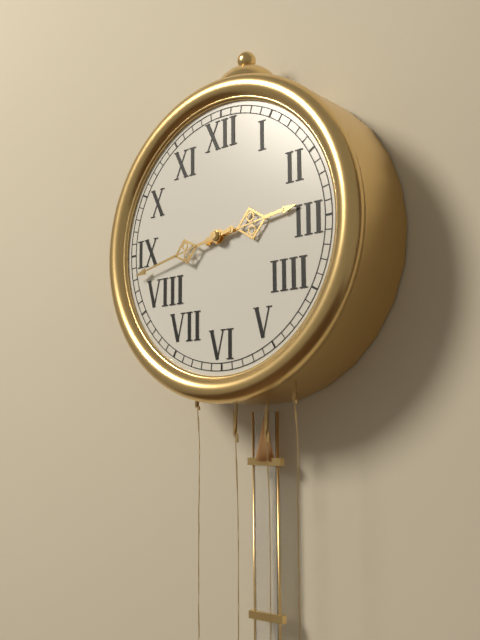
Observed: 2 h 43 min
